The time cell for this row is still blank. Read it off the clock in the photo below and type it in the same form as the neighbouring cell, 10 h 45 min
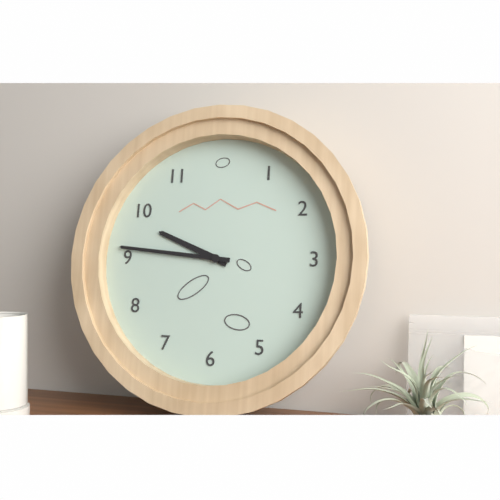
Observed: 9 h 46 min
